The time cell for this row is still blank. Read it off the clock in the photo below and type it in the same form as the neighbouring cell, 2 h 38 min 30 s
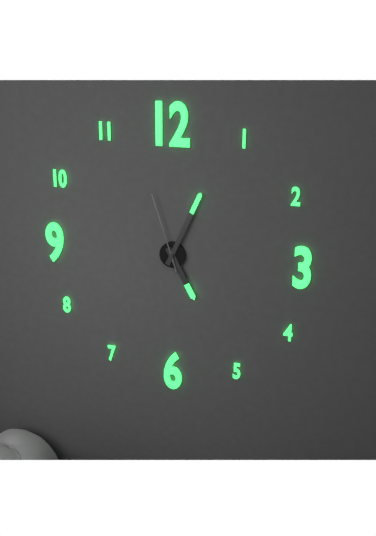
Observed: 5 h 04 min 57 s
